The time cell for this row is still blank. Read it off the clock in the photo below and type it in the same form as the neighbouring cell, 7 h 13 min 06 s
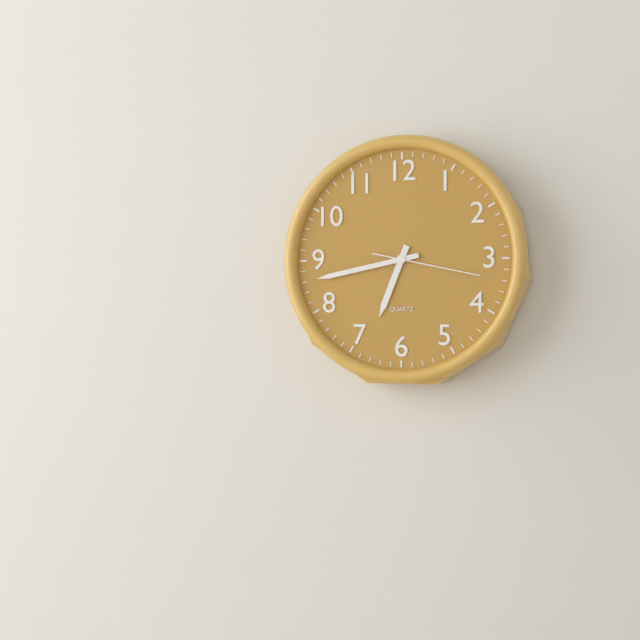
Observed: 6 h 43 min 17 s
